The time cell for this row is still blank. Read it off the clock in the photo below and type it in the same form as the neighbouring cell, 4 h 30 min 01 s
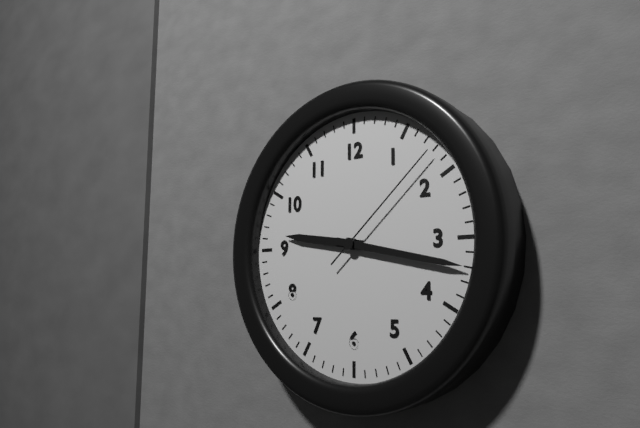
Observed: 9 h 17 min 08 s
